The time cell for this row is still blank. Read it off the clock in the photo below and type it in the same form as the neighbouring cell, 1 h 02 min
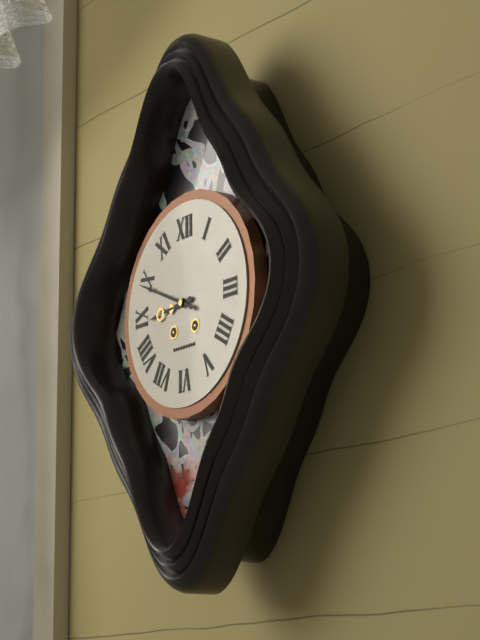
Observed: 8 h 49 min
